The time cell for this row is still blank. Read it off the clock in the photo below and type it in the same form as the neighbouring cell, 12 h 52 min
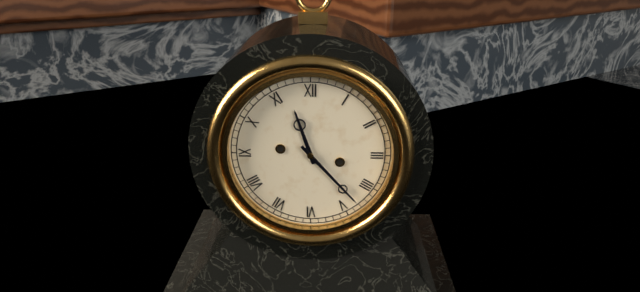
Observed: 11 h 23 min
